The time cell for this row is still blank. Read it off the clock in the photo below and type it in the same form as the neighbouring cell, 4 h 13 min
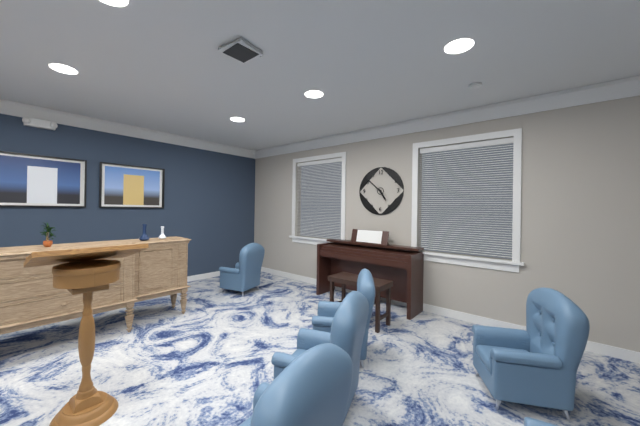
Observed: 4 h 52 min
